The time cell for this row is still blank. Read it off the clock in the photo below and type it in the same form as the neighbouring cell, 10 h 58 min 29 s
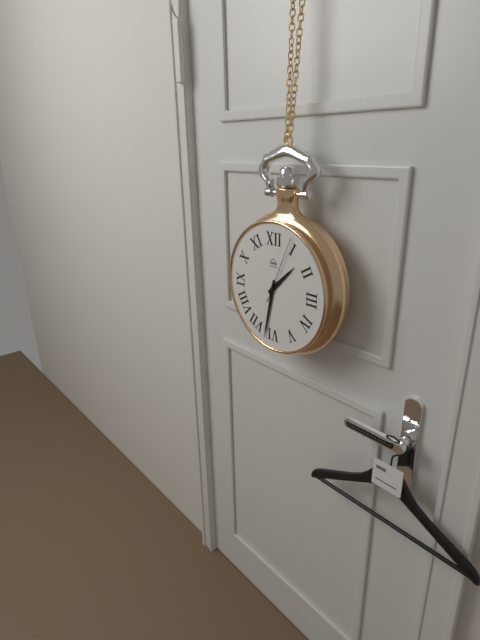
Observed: 1 h 32 min 04 s
